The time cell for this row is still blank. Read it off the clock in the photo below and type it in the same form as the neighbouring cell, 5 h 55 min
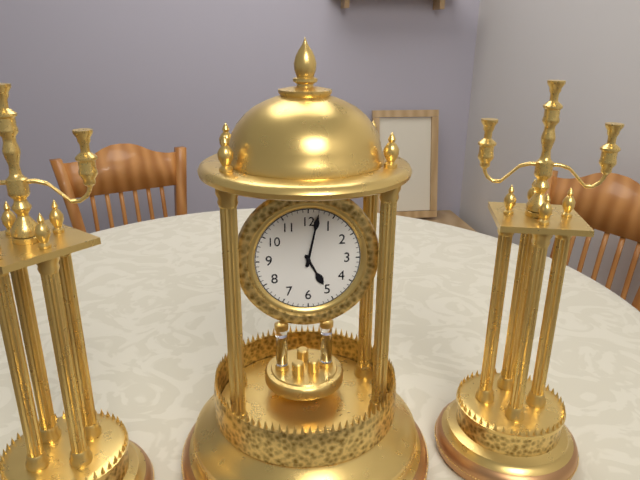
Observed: 5 h 02 min
